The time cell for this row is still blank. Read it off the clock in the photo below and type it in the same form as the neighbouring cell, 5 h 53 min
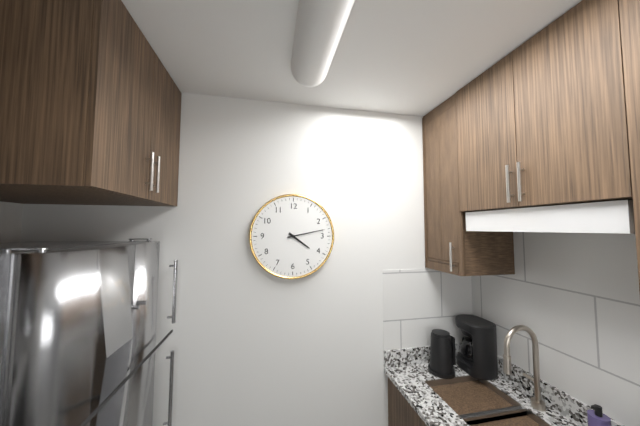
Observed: 4 h 13 min
